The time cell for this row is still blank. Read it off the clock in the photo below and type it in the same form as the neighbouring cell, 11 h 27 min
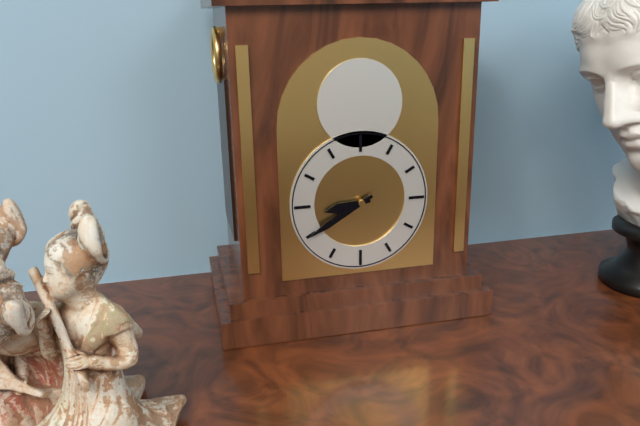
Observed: 8 h 40 min
